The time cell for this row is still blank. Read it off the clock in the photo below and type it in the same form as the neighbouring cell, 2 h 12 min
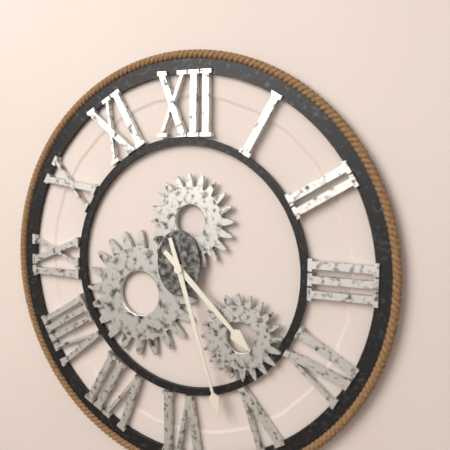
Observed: 4 h 27 min
